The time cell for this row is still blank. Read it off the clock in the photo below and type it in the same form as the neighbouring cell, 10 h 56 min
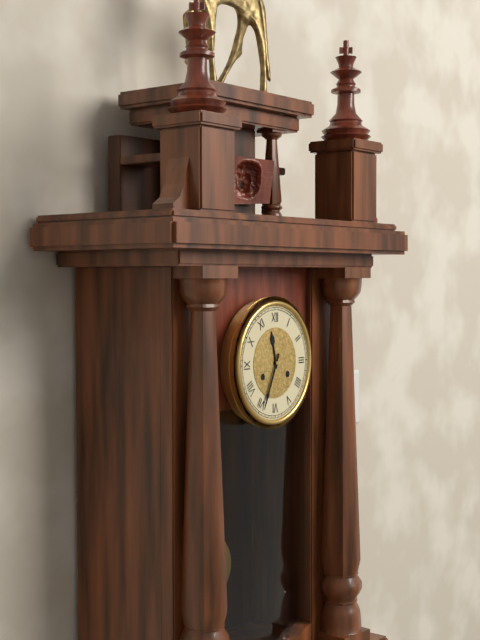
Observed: 11 h 34 min
